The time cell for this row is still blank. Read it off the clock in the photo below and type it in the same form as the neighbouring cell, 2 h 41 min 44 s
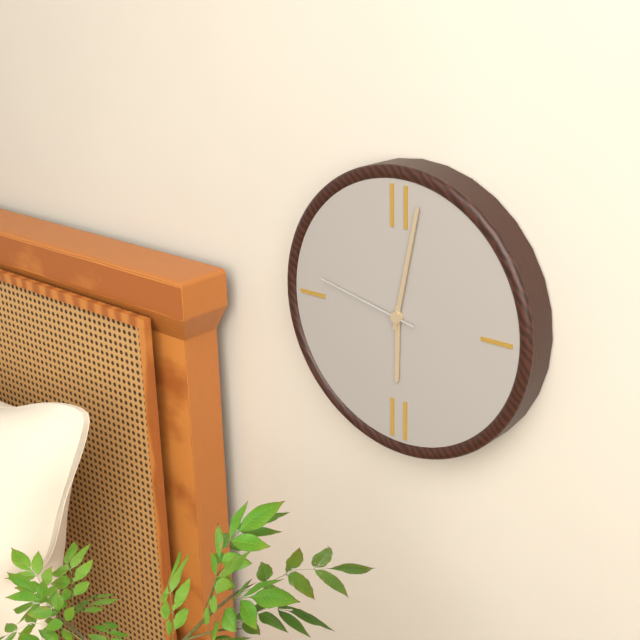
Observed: 6 h 02 min 47 s
